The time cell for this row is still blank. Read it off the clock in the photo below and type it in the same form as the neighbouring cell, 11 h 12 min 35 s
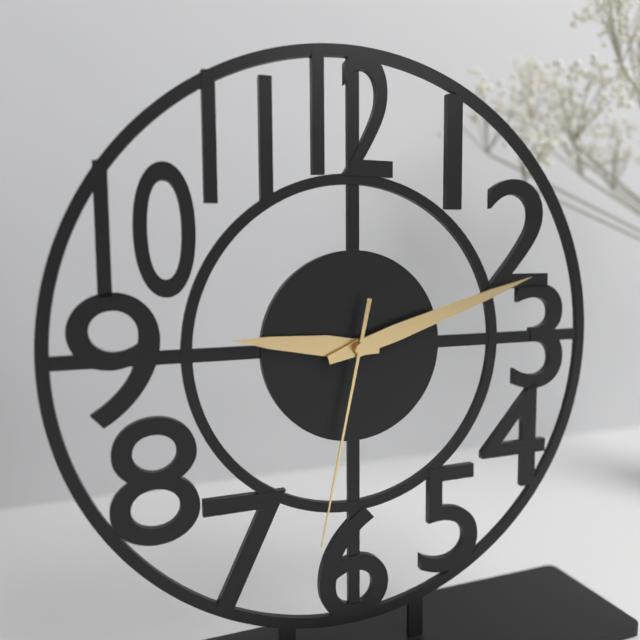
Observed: 9 h 12 min 32 s
